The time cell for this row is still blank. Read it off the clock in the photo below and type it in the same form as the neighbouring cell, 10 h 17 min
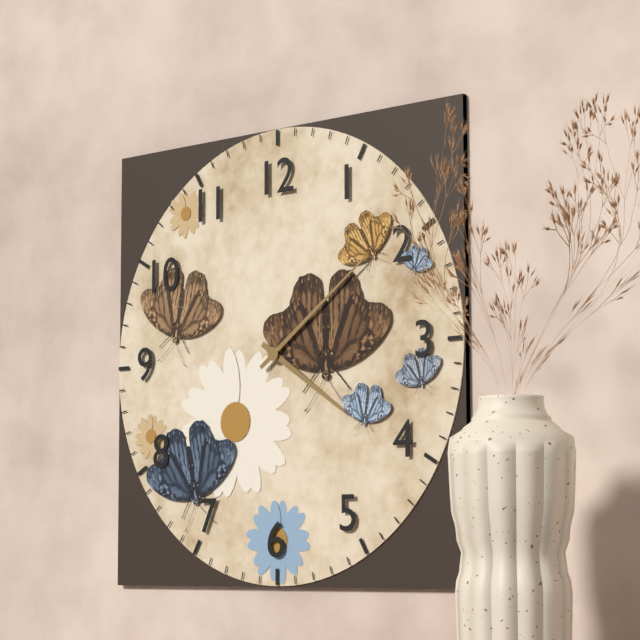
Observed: 4 h 09 min
